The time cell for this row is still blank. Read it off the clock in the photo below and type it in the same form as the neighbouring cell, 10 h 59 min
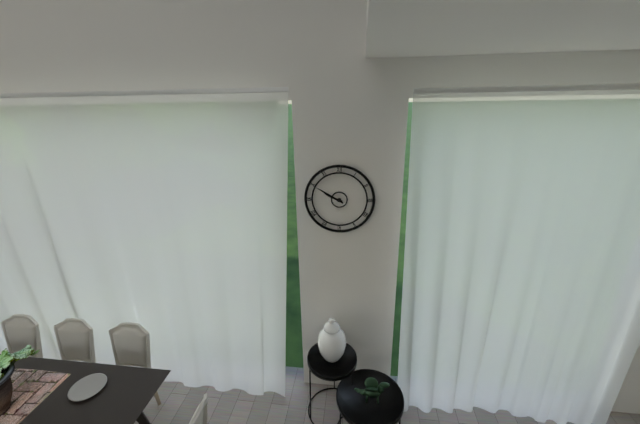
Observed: 9 h 50 min
